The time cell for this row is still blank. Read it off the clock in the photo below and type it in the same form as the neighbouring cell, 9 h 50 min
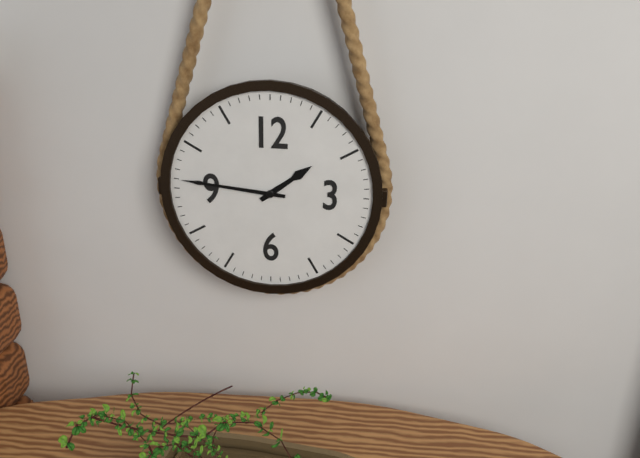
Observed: 1 h 46 min
